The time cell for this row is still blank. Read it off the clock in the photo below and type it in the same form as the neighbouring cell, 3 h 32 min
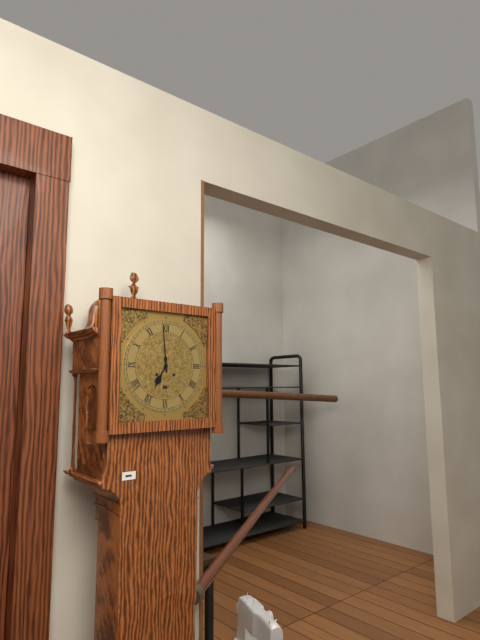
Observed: 6 h 59 min
